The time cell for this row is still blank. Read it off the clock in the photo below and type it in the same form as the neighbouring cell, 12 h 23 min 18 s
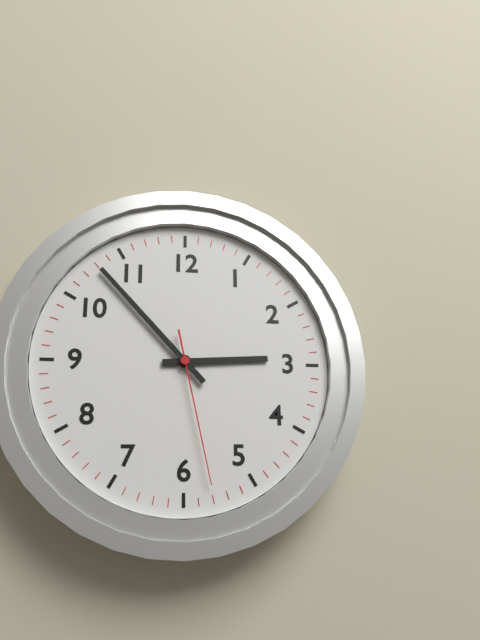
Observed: 2 h 53 min 28 s
